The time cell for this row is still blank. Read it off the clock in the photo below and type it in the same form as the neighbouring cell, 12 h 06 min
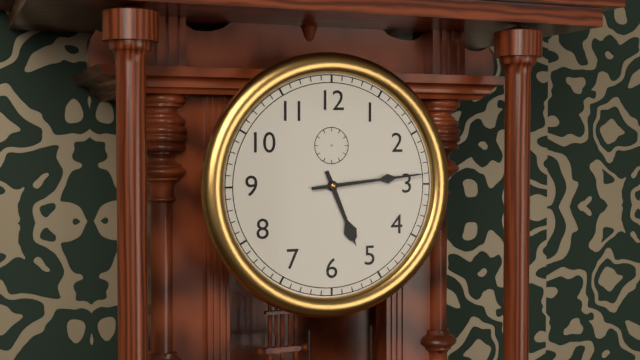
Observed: 5 h 14 min
